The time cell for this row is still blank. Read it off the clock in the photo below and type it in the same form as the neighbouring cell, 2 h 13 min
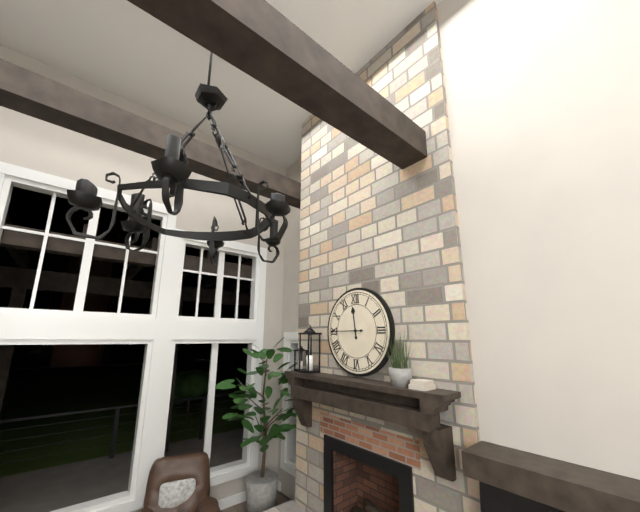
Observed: 11 h 45 min
